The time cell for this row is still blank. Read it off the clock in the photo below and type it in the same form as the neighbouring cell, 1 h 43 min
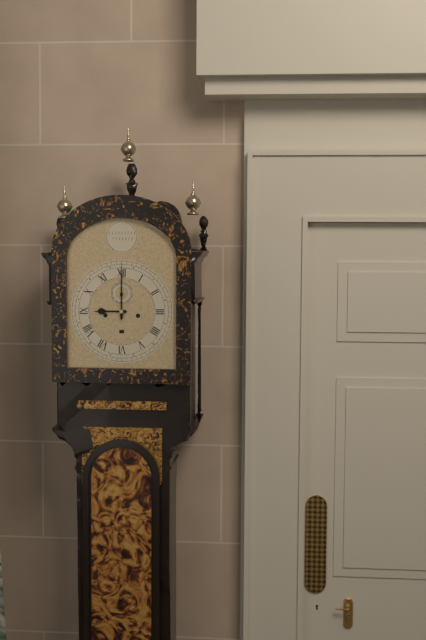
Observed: 9 h 00 min
